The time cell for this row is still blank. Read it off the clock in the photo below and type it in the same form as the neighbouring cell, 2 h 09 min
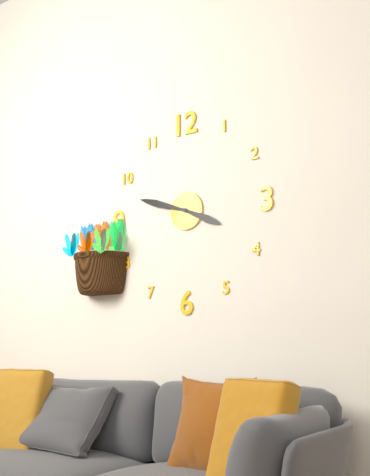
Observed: 3 h 48 min
